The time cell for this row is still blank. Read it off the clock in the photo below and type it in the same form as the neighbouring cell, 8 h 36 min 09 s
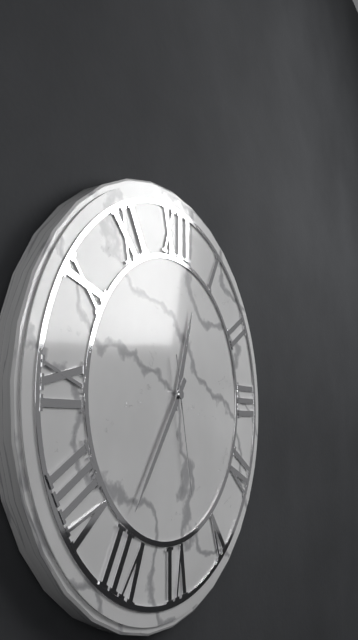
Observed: 12 h 36 min 28 s
